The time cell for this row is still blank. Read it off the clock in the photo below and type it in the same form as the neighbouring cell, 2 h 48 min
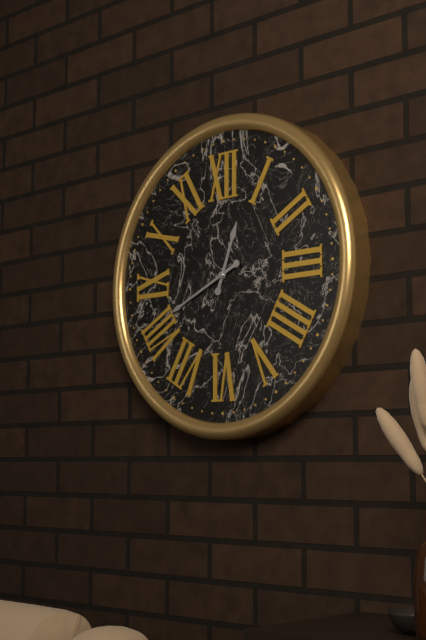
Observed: 12 h 41 min
